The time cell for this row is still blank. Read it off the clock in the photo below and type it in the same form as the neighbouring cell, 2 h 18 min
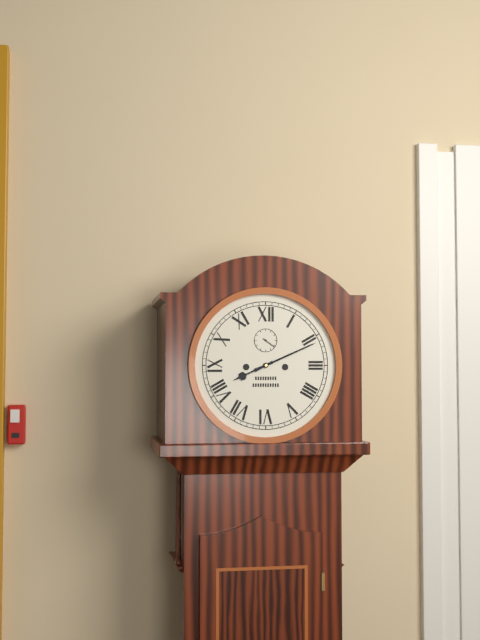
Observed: 8 h 11 min
